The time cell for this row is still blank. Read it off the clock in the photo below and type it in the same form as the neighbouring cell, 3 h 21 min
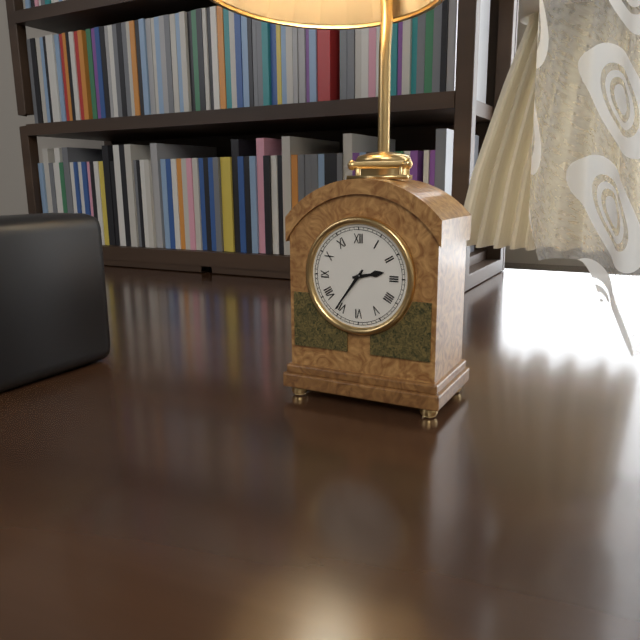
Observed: 2 h 36 min
